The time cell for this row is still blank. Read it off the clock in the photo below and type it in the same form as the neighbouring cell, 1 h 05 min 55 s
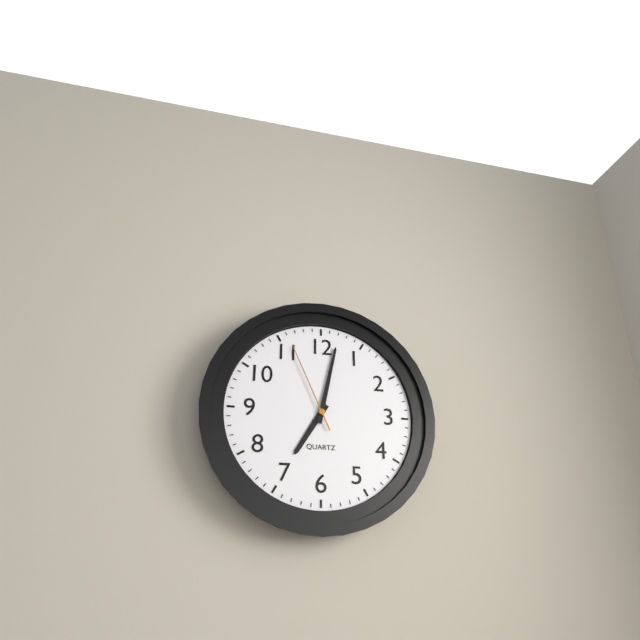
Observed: 7 h 02 min 56 s
